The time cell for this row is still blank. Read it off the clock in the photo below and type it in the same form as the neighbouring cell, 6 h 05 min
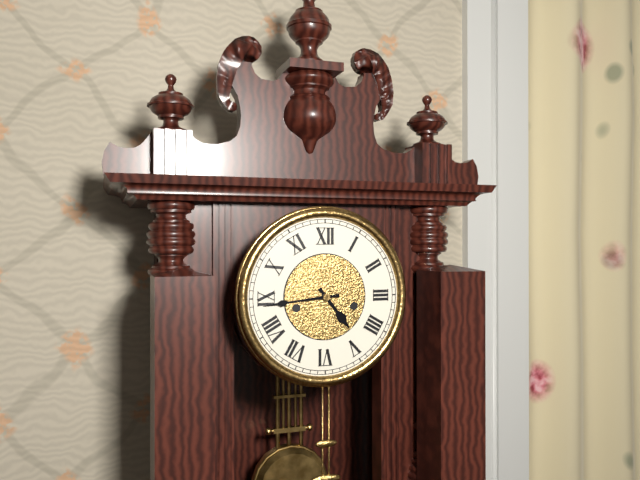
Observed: 4 h 44 min
